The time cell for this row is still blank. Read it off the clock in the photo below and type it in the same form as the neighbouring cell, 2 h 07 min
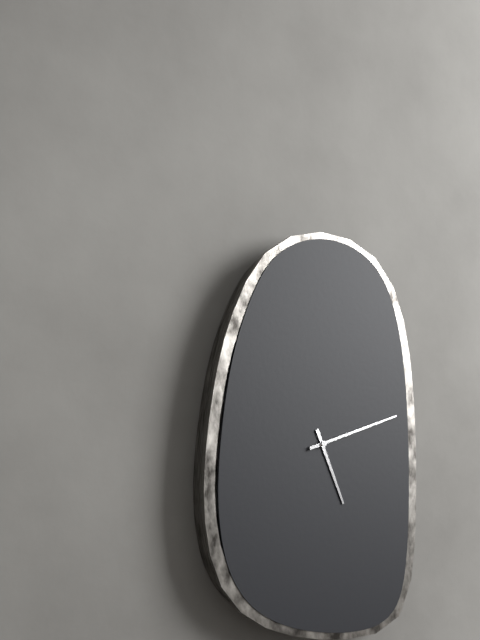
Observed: 5 h 12 min
